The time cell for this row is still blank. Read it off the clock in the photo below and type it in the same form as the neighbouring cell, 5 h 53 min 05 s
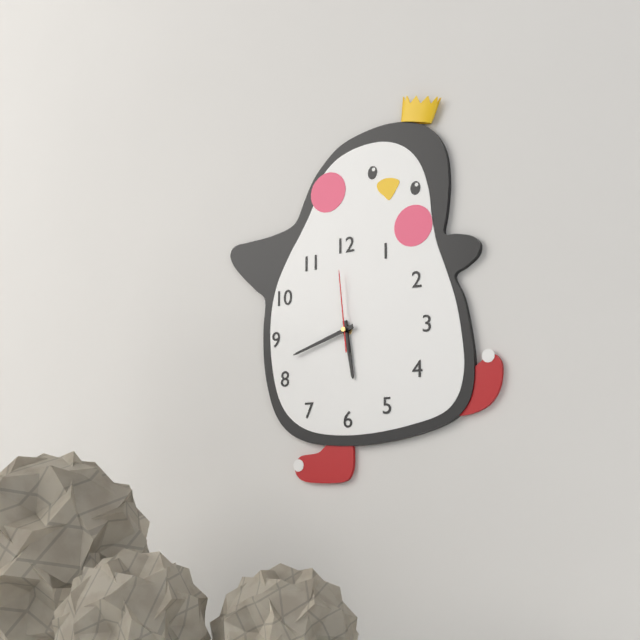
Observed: 5 h 42 min 59 s
